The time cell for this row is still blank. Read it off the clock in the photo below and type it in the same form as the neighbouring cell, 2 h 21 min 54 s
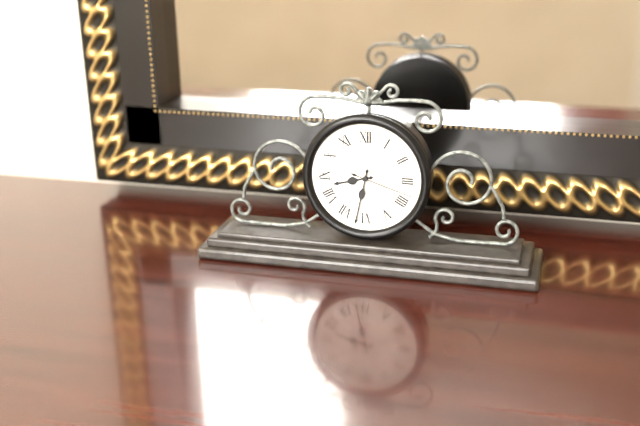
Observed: 8 h 32 min 18 s
